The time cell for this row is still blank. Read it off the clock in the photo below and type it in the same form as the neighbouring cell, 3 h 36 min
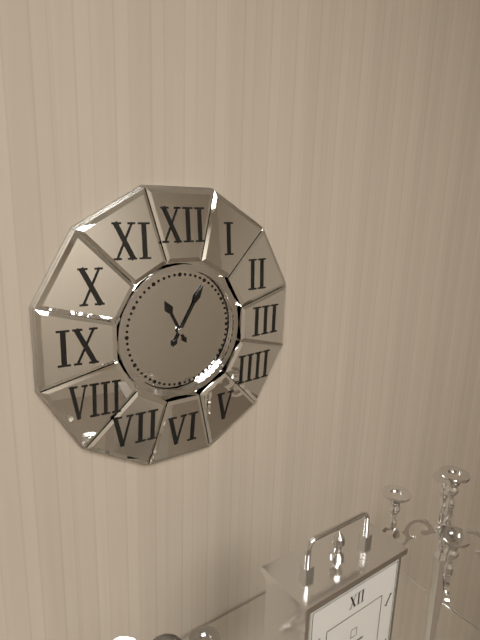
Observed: 11 h 05 min
